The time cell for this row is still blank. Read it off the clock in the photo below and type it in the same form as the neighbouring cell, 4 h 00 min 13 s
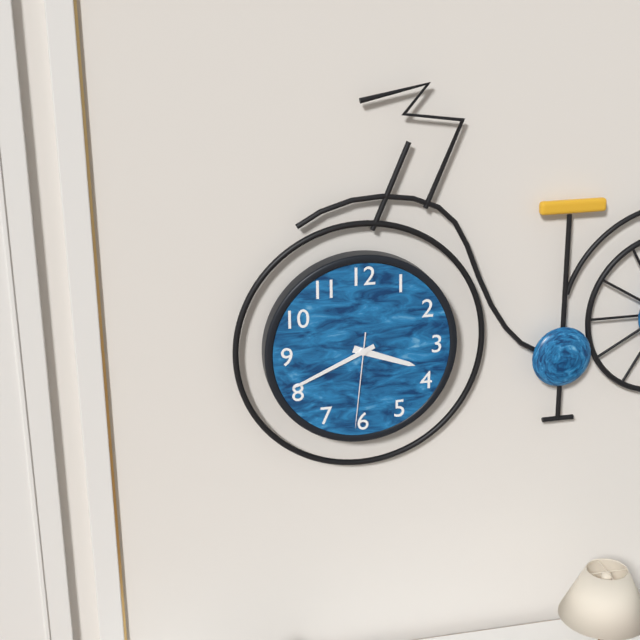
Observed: 3 h 41 min 31 s
